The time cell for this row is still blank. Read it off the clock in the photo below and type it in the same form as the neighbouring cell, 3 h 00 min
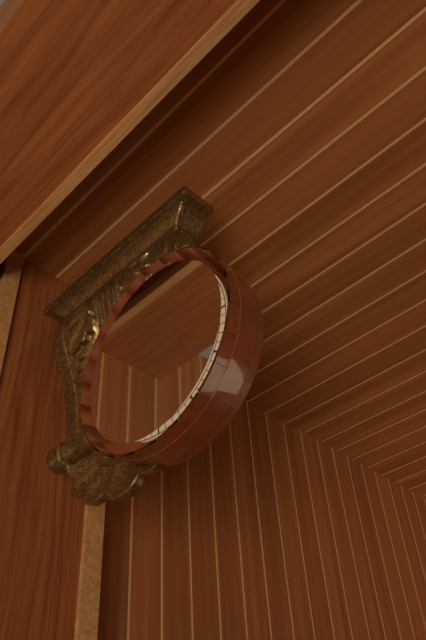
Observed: 10 h 02 min
